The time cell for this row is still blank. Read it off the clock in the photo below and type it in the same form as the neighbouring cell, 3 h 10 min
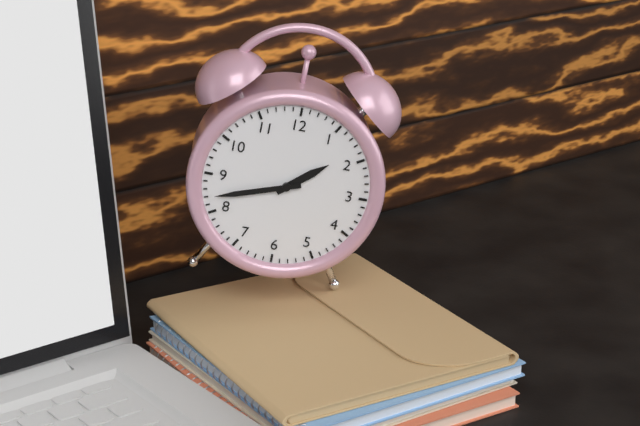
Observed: 1 h 42 min
